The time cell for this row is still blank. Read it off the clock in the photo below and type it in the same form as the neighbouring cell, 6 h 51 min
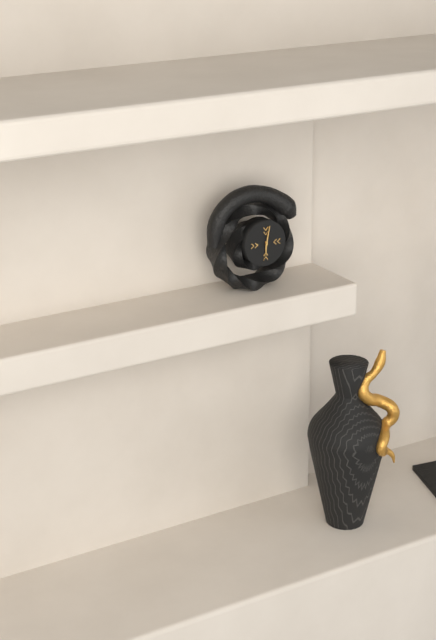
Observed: 6 h 02 min
